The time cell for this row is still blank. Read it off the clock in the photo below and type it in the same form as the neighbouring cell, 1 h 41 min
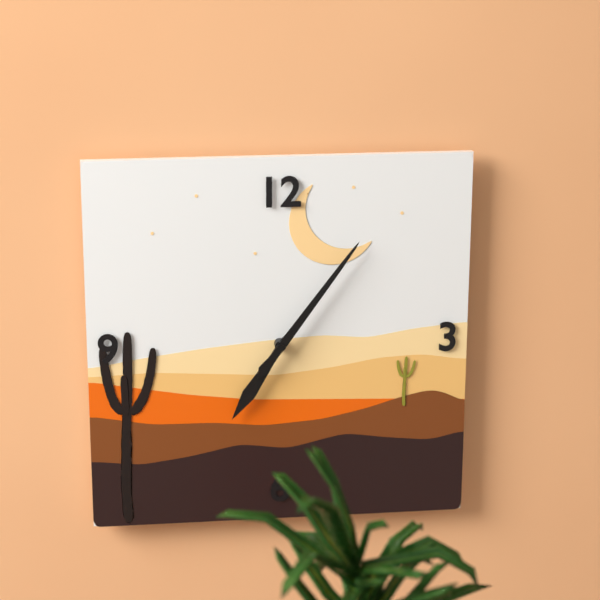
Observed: 7 h 06 min
